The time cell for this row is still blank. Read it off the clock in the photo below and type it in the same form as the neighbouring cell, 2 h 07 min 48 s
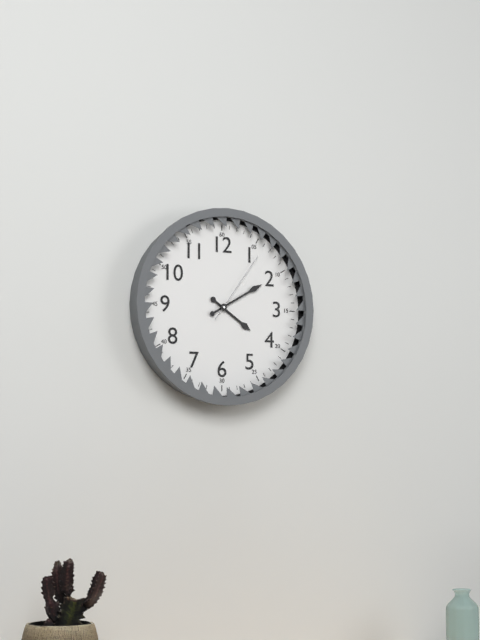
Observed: 4 h 10 min 06 s
